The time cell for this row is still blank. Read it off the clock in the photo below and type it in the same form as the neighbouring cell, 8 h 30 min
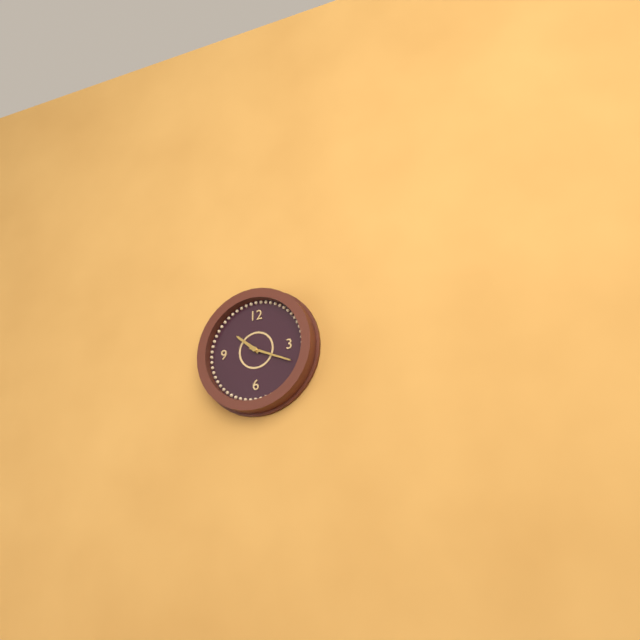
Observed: 10 h 19 min
